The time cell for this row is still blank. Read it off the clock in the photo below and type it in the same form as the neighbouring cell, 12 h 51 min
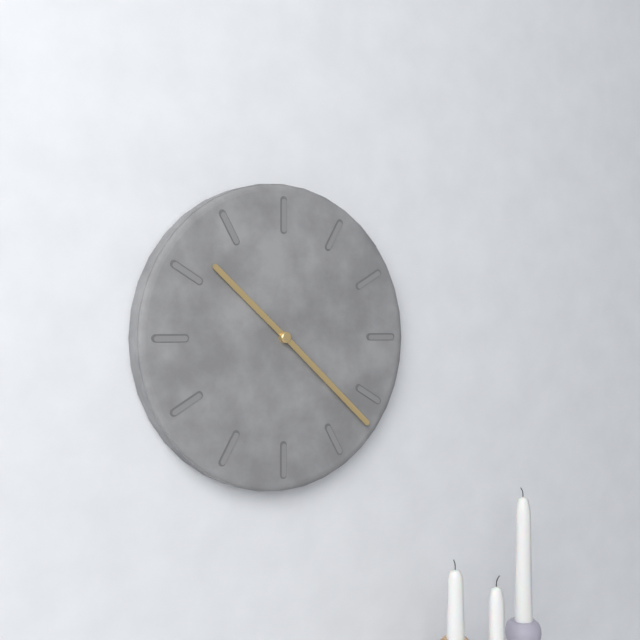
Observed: 10 h 22 min
